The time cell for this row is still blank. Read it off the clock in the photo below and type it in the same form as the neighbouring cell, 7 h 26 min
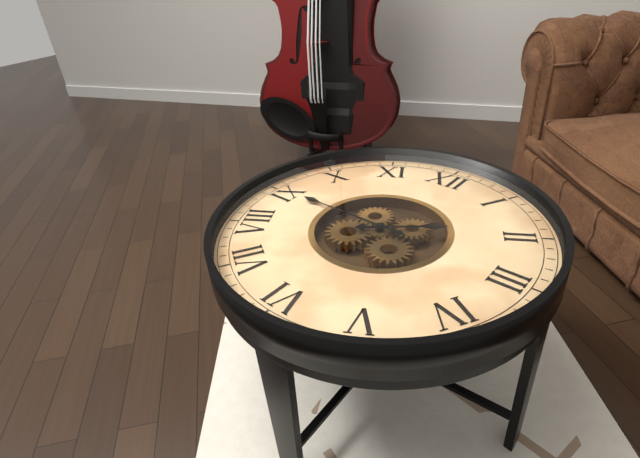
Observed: 1 h 45 min
